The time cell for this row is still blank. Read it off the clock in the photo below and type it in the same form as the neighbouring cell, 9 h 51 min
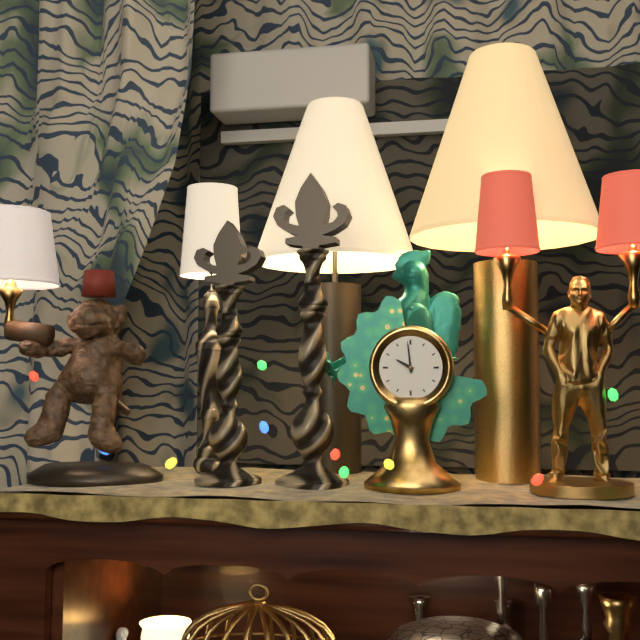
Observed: 9 h 59 min
